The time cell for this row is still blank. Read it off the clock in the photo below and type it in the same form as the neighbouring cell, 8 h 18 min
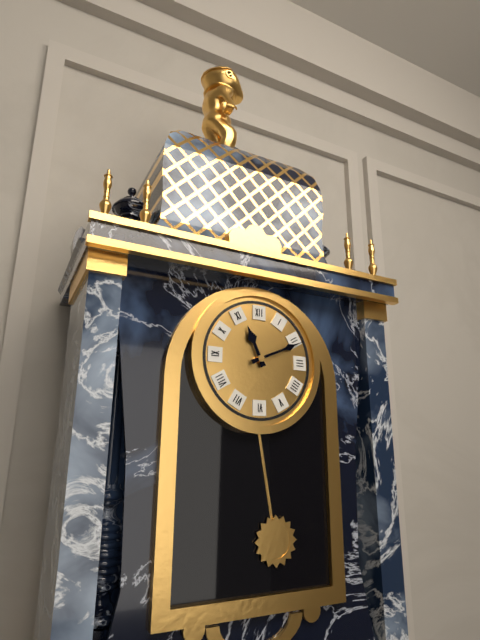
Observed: 11 h 11 min
